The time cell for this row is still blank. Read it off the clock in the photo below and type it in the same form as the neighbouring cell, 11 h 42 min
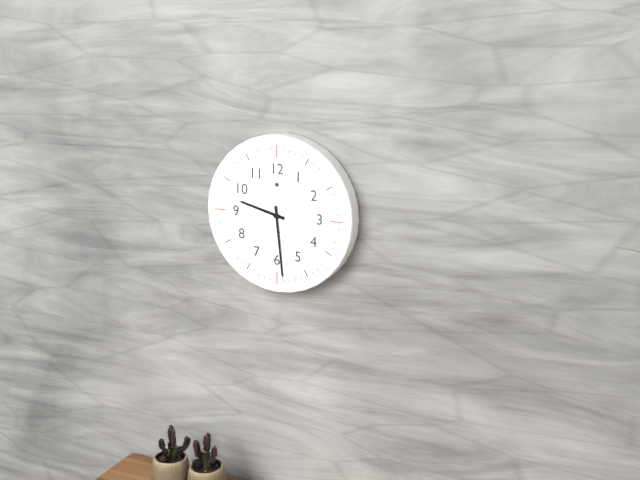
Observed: 9 h 29 min
